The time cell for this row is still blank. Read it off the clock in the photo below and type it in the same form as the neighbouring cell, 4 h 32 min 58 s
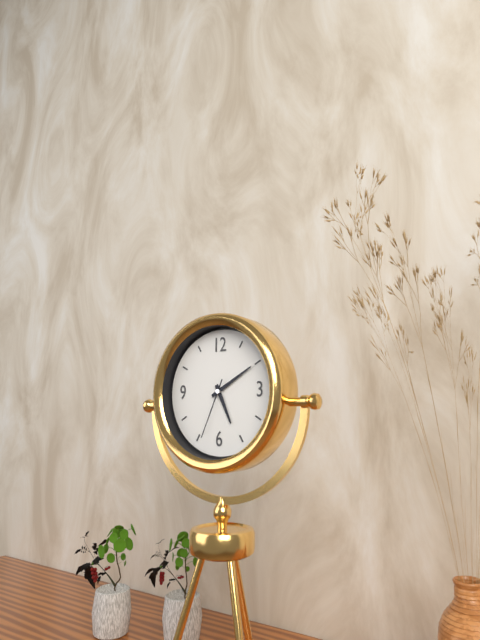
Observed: 5 h 10 min 34 s
